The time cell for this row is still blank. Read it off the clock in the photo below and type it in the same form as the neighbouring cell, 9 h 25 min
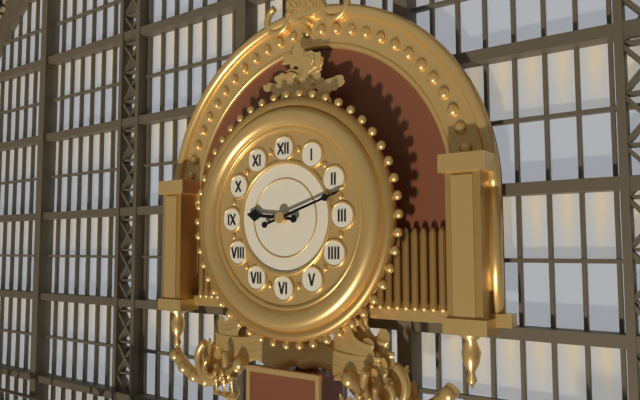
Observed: 9 h 12 min
